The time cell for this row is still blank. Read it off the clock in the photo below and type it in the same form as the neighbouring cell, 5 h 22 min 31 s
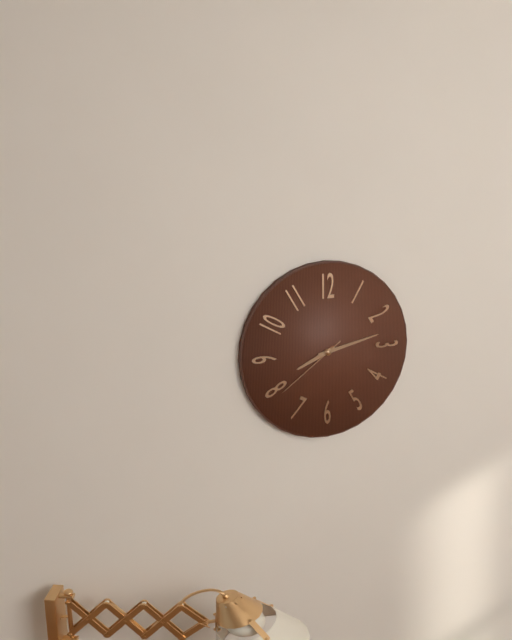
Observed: 8 h 13 min 39 s
